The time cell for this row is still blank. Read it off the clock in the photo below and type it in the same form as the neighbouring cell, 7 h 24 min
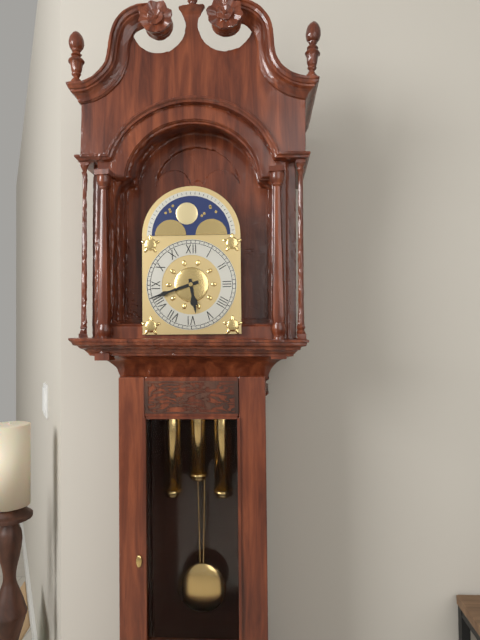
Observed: 5 h 42 min
